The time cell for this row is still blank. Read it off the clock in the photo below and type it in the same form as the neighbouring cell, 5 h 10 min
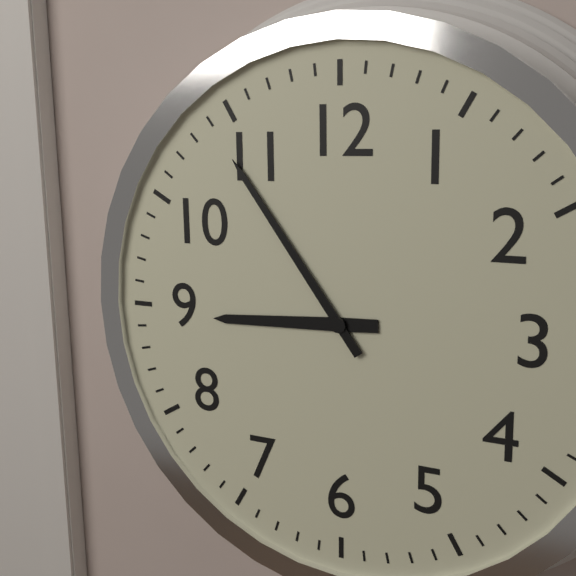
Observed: 8 h 54 min
